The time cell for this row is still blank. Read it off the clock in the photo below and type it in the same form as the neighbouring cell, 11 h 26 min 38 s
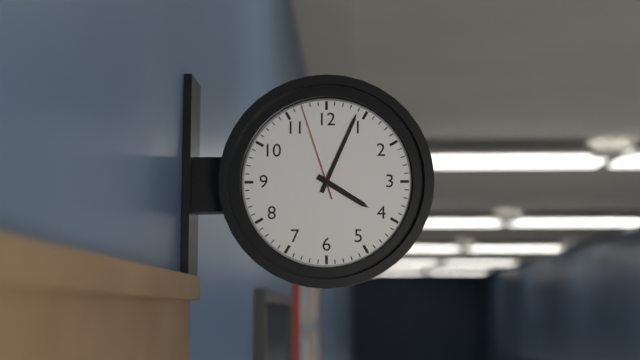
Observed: 4 h 04 min 57 s
